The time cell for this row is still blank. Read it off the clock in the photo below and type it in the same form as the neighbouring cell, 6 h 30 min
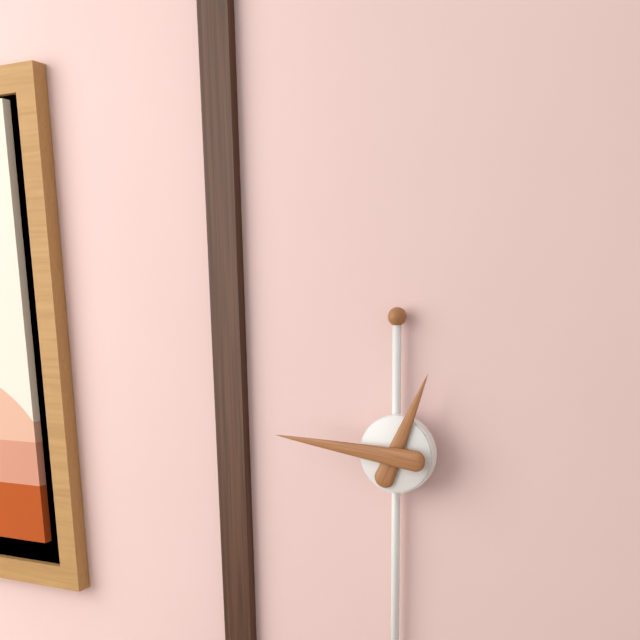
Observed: 12 h 46 min
